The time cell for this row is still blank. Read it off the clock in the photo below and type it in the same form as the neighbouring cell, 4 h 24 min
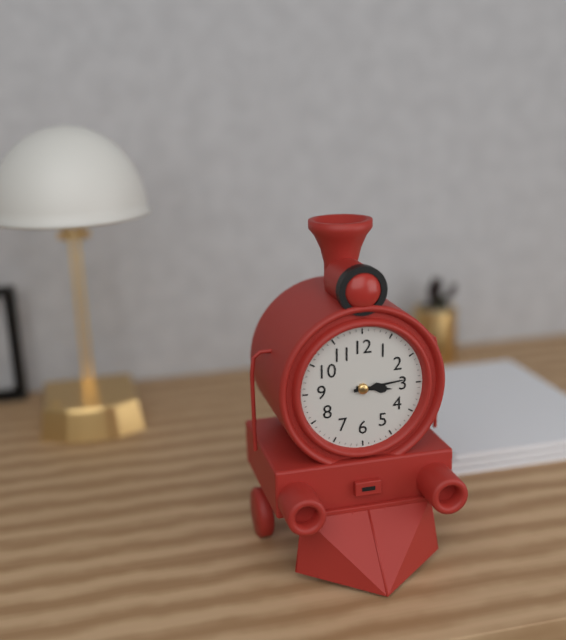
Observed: 3 h 14 min
